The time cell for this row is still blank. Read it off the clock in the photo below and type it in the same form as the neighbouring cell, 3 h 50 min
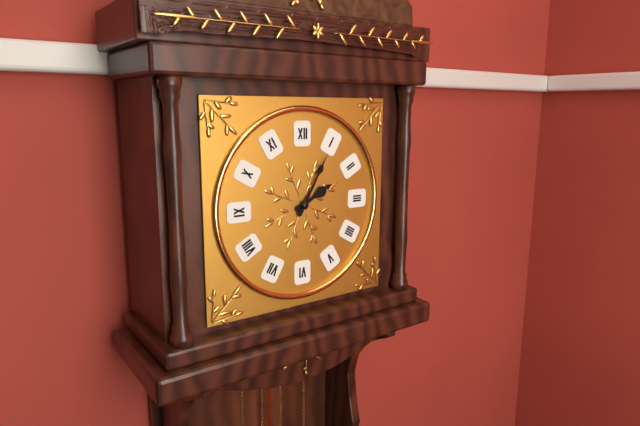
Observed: 2 h 05 min
